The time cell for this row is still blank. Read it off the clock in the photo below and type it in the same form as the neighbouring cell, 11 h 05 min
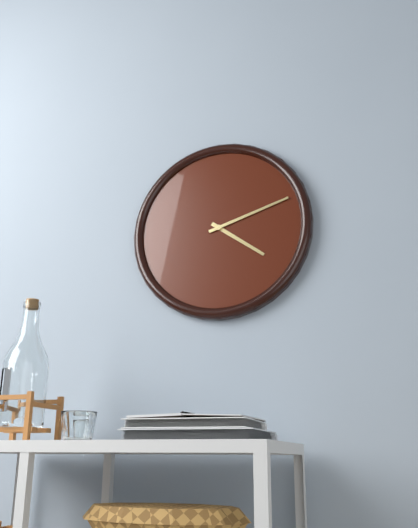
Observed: 4 h 12 min
